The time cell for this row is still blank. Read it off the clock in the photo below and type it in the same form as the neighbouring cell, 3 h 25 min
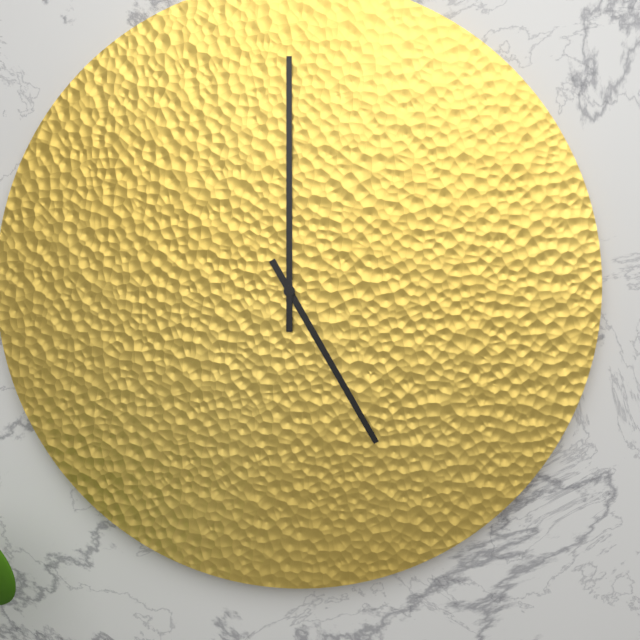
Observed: 5 h 00 min
